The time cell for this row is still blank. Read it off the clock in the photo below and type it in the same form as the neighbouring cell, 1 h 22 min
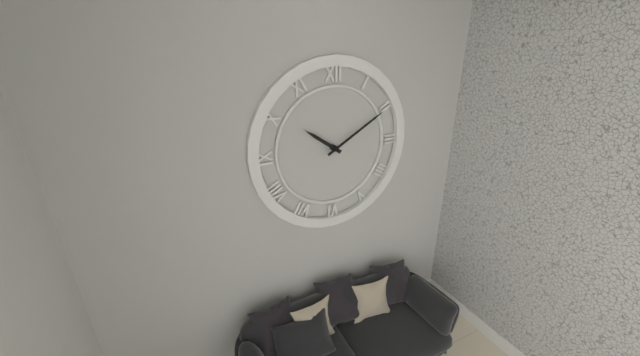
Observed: 10 h 10 min
